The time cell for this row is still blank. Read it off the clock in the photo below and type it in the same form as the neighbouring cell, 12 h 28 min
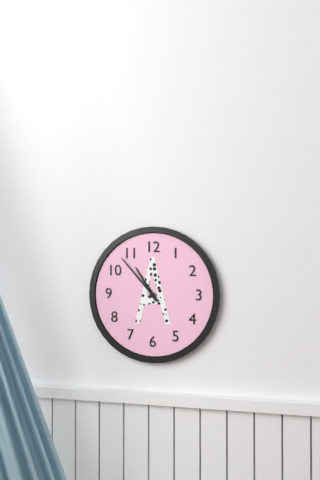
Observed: 10 h 53 min
